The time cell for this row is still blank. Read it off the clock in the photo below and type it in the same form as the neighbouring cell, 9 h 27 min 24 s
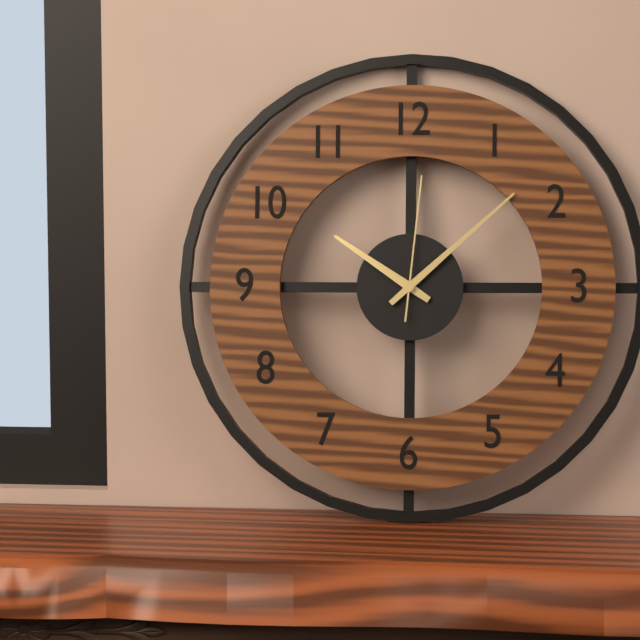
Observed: 10 h 08 min 01 s
